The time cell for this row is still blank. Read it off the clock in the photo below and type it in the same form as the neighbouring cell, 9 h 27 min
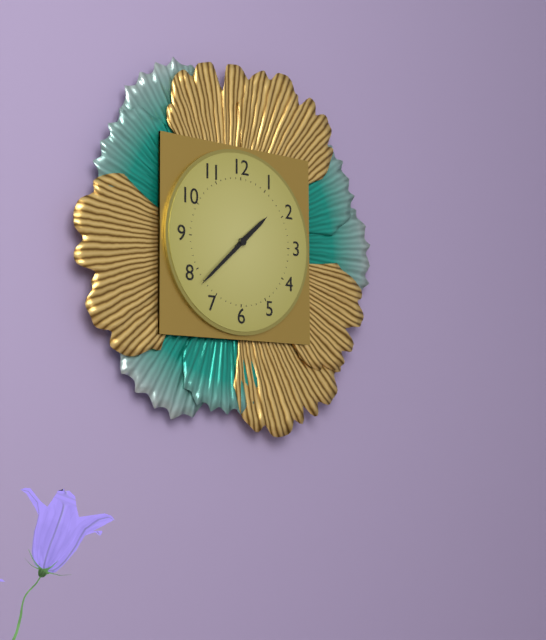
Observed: 1 h 38 min
